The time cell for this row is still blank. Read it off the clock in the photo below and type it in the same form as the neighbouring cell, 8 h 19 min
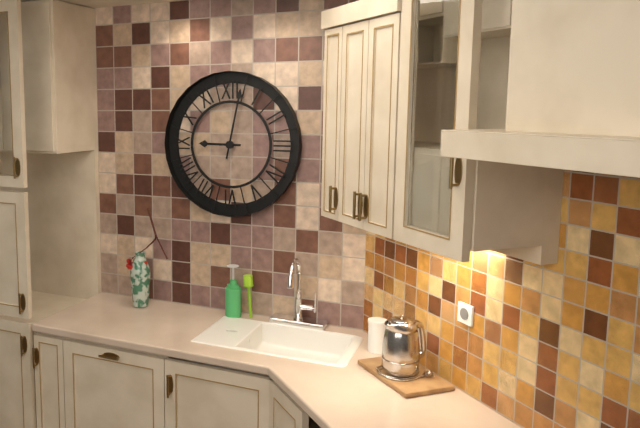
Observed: 9 h 02 min
